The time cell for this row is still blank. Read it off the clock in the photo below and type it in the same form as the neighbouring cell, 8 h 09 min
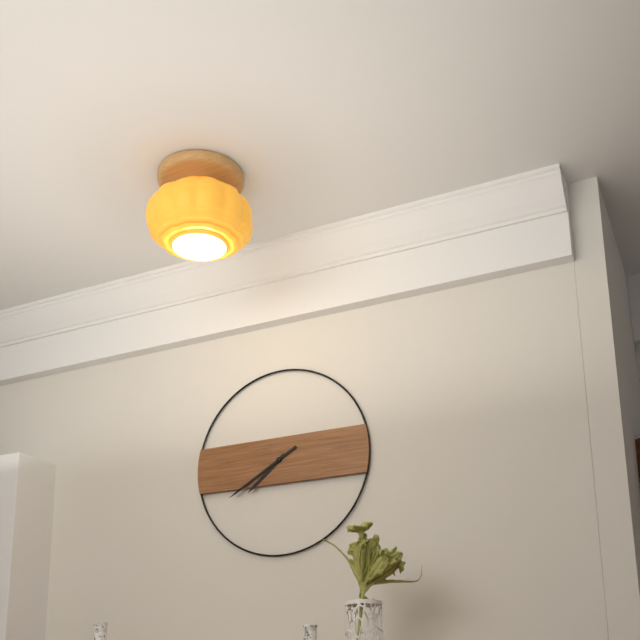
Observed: 7 h 40 min
